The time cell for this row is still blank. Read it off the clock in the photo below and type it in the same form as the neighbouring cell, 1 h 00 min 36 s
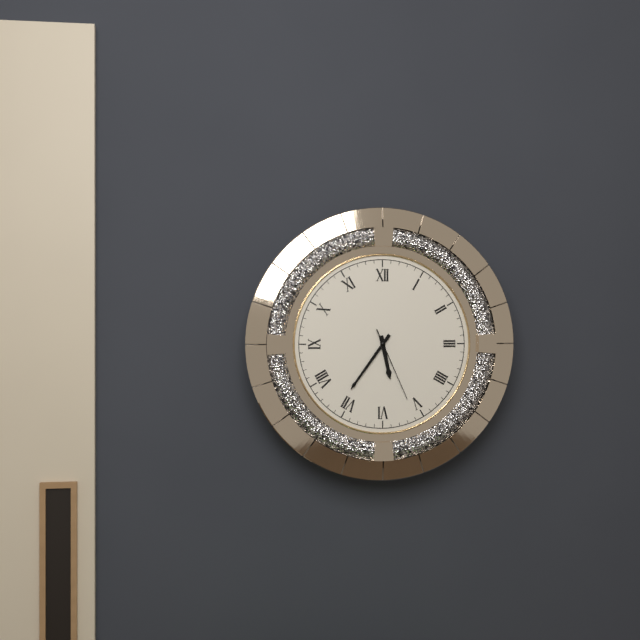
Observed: 5 h 36 min 26 s
